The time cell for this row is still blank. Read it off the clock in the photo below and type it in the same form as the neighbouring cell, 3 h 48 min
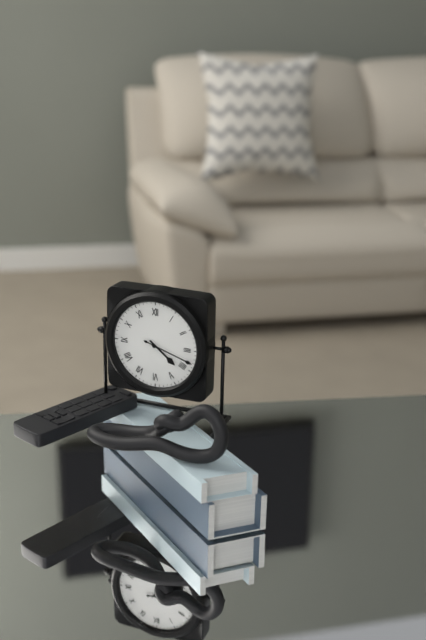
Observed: 4 h 18 min
